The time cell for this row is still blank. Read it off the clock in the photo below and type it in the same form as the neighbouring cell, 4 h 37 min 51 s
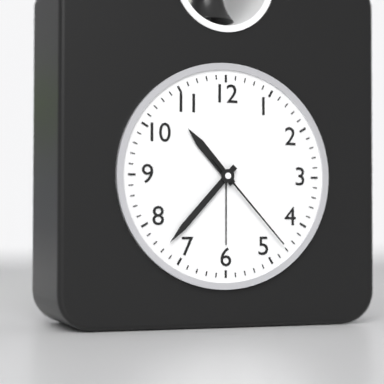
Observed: 10 h 37 min 23 s
